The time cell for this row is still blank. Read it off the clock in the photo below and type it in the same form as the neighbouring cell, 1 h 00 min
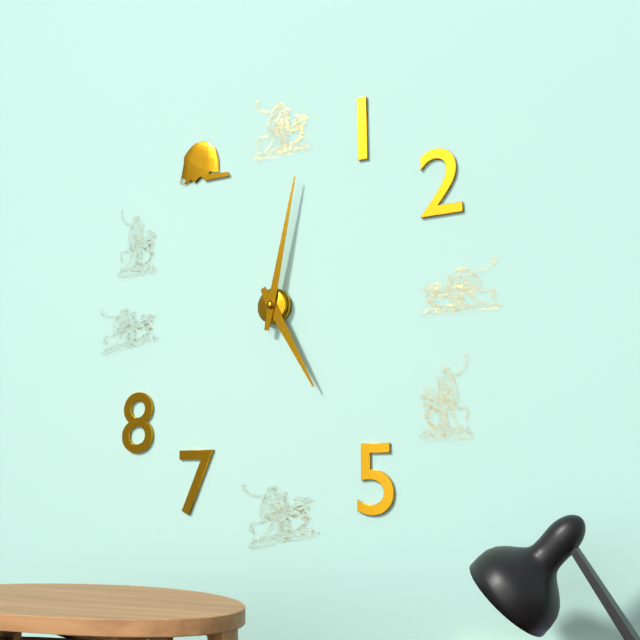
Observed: 5 h 02 min
